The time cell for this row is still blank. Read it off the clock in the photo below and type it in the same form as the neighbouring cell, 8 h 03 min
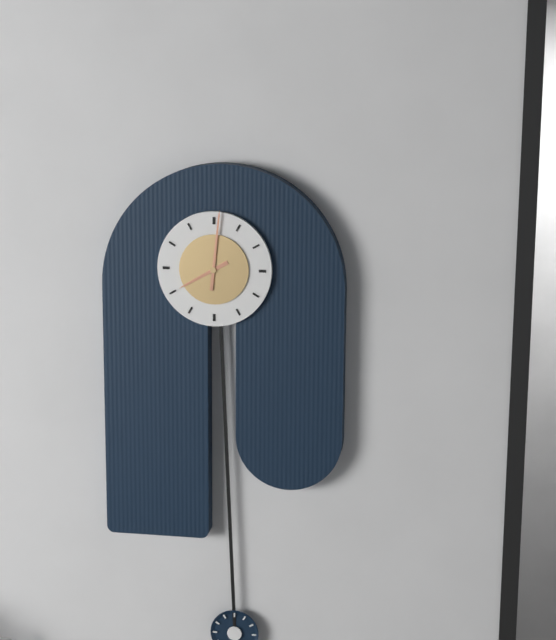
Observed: 8 h 01 min
